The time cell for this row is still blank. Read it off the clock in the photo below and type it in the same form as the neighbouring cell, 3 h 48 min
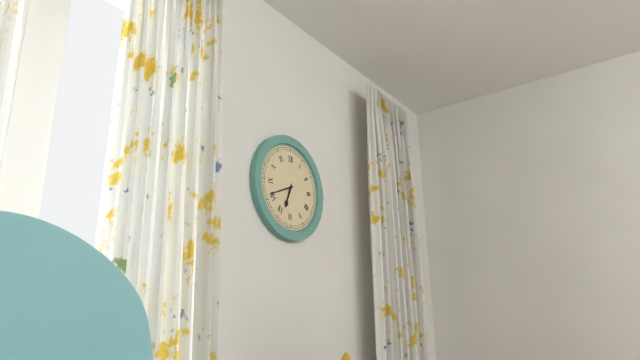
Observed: 6 h 41 min
